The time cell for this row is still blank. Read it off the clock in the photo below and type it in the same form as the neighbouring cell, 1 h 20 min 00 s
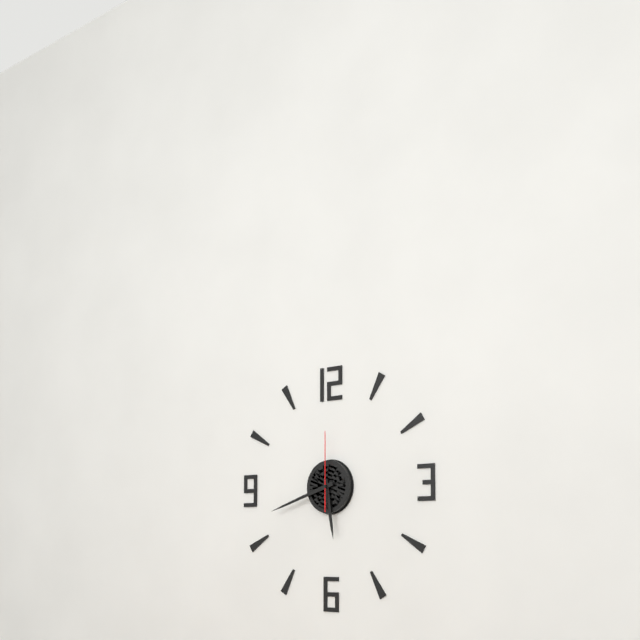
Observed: 5 h 42 min 00 s
